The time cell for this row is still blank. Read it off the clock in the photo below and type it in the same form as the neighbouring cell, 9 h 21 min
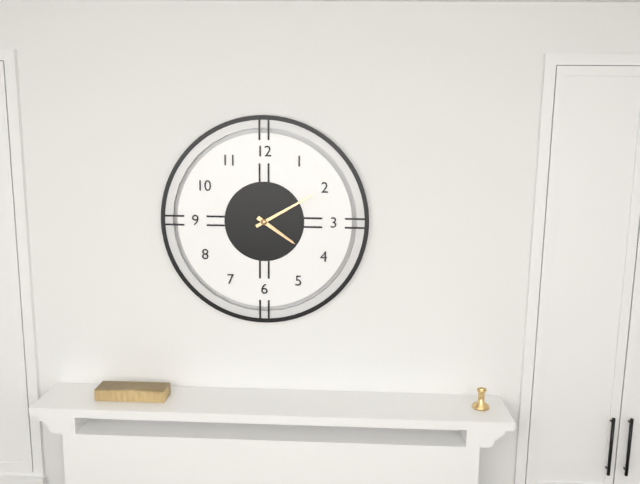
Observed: 4 h 10 min
